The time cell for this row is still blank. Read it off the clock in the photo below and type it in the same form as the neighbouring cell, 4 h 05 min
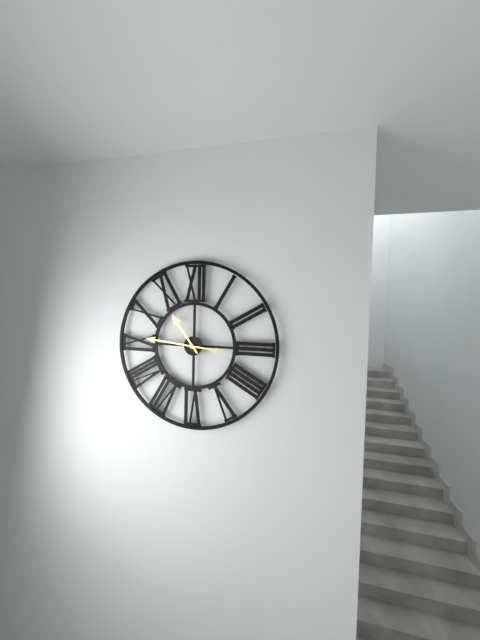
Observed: 10 h 46 min
